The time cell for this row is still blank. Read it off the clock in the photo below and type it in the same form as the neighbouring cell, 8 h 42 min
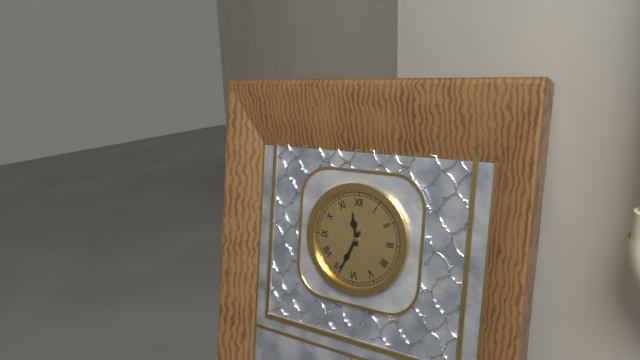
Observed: 11 h 34 min
